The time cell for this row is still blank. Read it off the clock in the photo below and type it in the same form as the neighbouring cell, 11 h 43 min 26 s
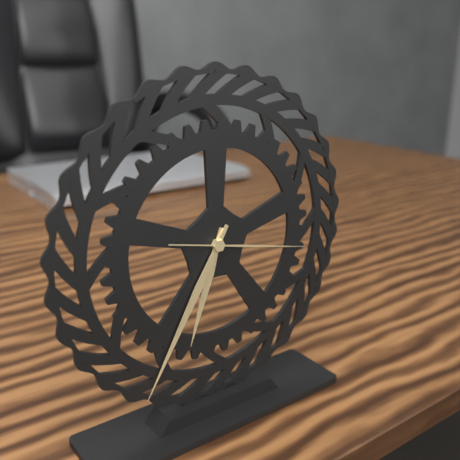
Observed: 6 h 35 min 17 s
